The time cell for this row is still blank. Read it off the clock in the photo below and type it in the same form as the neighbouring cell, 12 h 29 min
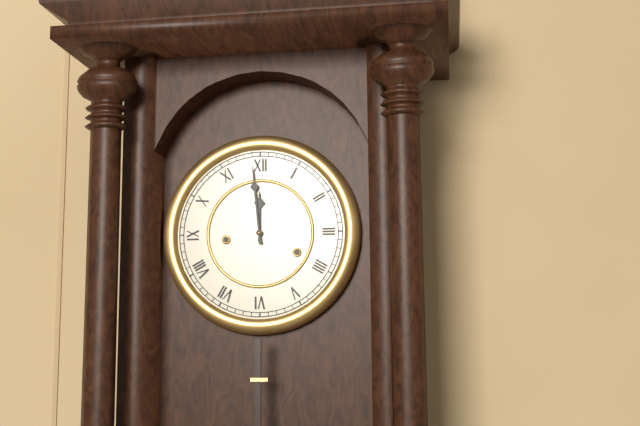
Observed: 11 h 59 min
